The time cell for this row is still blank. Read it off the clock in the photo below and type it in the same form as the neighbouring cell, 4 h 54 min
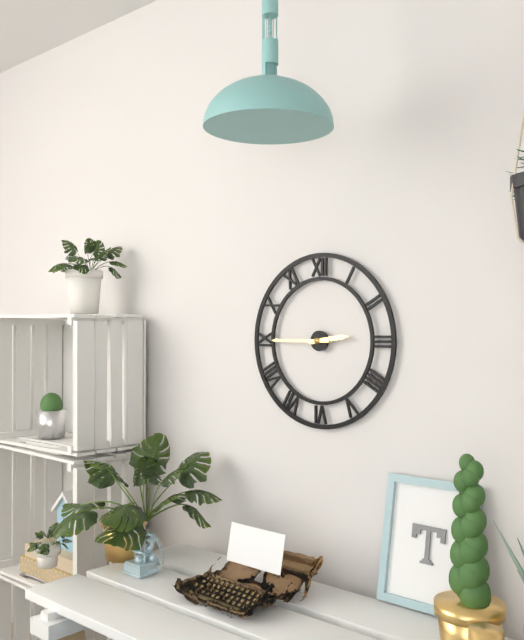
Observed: 2 h 45 min
